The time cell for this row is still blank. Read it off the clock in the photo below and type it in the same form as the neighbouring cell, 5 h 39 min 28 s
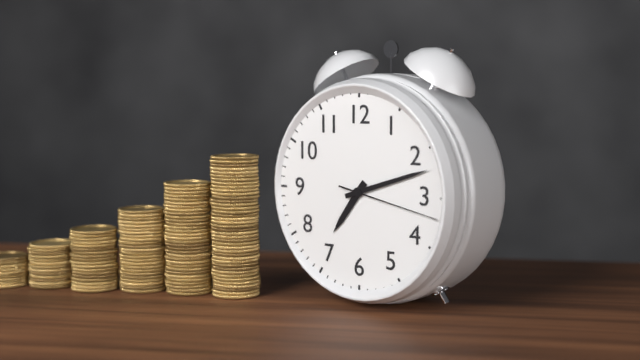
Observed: 7 h 12 min 17 s
